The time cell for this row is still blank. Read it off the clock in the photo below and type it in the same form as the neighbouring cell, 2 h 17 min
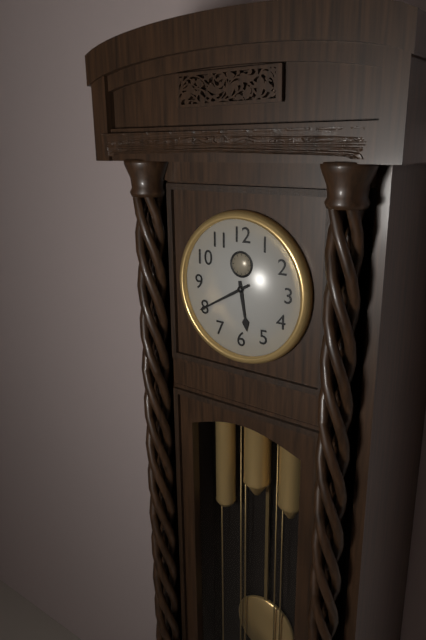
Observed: 5 h 40 min
